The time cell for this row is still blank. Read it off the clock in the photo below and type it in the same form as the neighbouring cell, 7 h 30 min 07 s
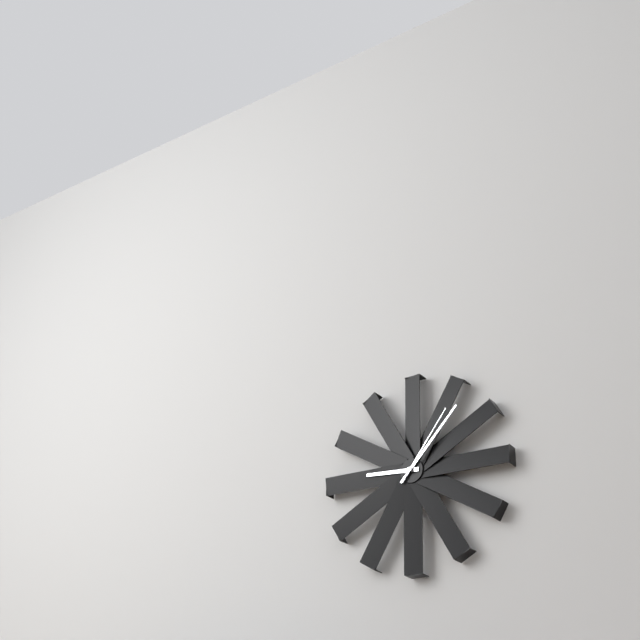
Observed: 9 h 07 min 06 s
